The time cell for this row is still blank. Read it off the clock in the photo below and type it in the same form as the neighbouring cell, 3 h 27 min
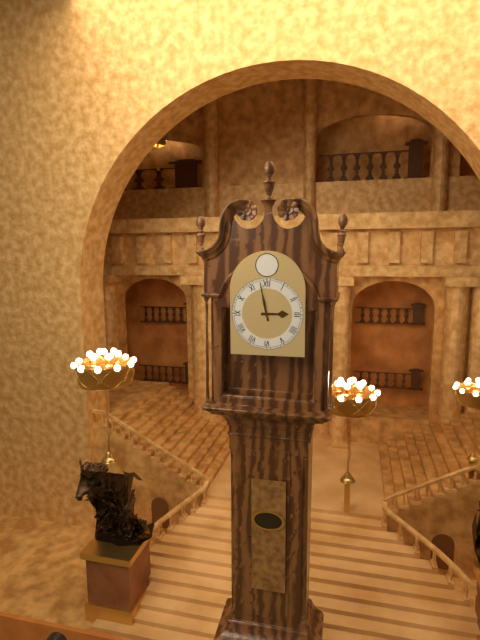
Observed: 2 h 58 min
